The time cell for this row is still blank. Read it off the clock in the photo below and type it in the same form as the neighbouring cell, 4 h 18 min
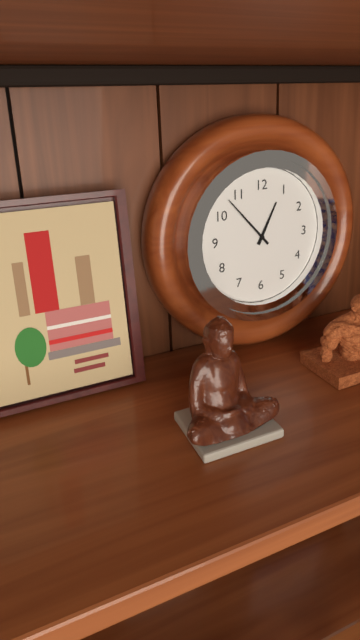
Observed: 12 h 53 min
